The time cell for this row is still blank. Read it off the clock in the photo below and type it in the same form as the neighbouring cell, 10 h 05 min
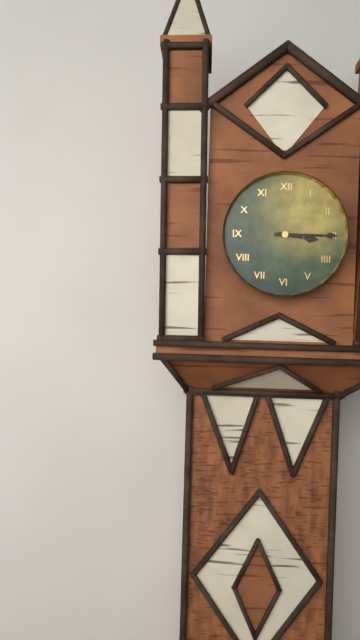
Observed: 3 h 15 min
